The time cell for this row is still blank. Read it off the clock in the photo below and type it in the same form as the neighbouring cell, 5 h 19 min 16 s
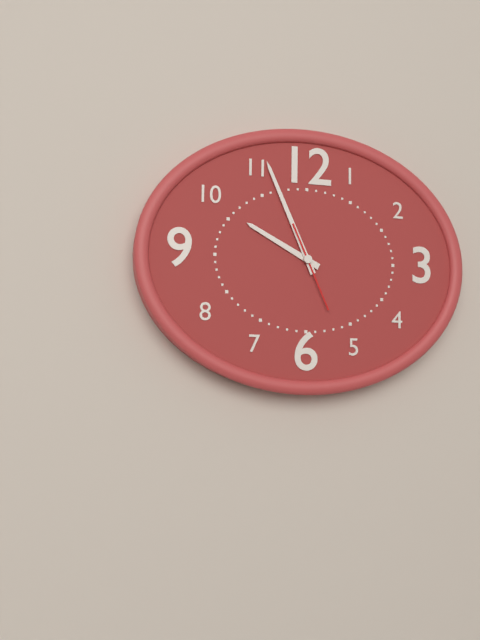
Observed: 9 h 56 min 26 s
